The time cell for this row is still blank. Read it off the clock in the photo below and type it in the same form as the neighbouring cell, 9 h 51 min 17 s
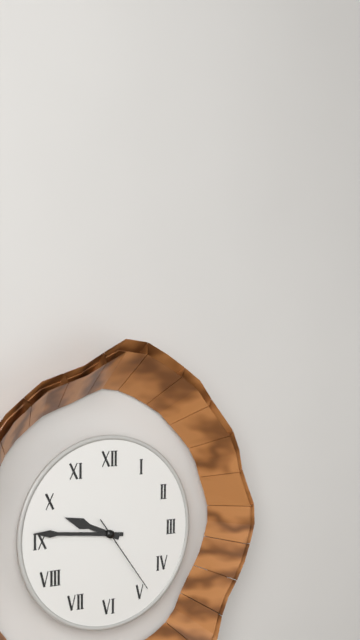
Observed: 9 h 46 min 24 s
